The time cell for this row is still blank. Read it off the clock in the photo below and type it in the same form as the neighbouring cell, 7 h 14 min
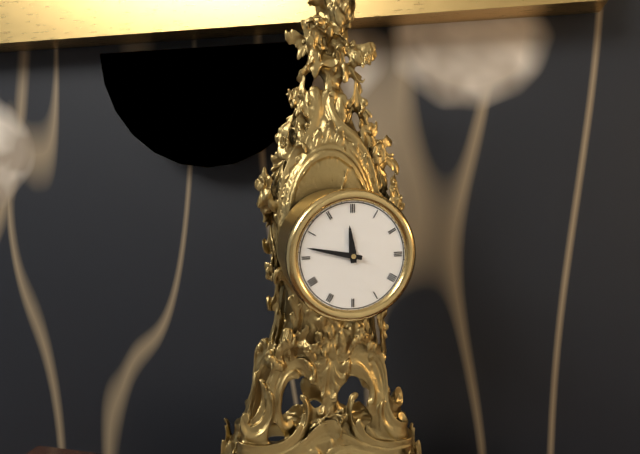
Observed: 11 h 47 min
